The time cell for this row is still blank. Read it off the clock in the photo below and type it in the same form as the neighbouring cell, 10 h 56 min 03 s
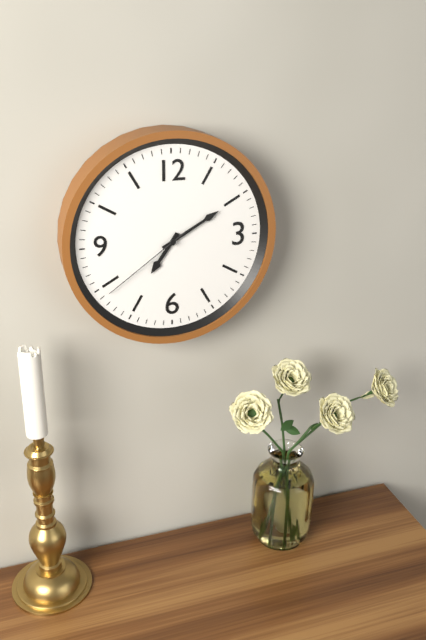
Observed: 7 h 10 min 39 s
